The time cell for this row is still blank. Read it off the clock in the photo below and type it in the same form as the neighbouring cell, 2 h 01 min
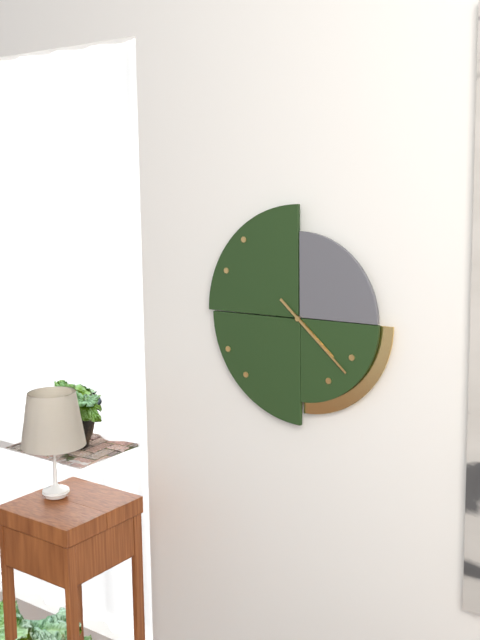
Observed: 4 h 22 min
